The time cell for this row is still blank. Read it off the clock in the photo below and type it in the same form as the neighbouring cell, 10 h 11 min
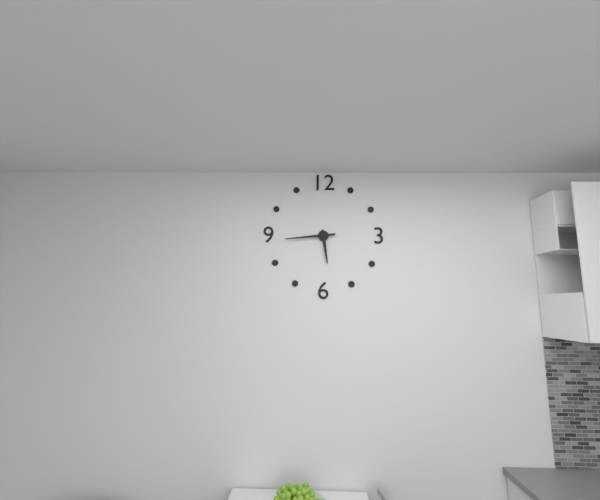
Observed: 5 h 44 min
